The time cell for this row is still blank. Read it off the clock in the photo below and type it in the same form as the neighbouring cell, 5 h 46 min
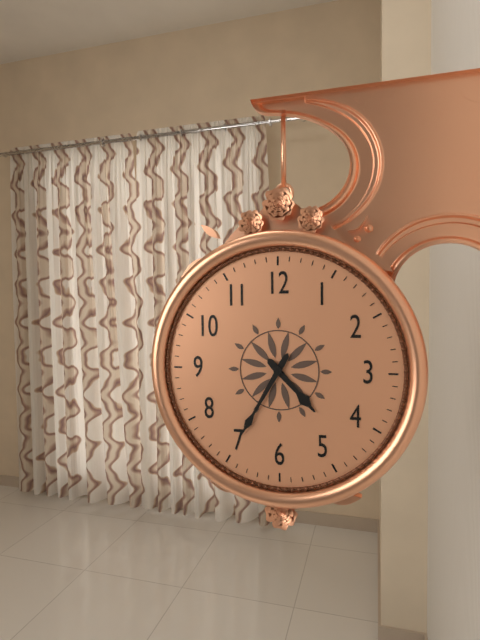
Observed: 4 h 35 min
